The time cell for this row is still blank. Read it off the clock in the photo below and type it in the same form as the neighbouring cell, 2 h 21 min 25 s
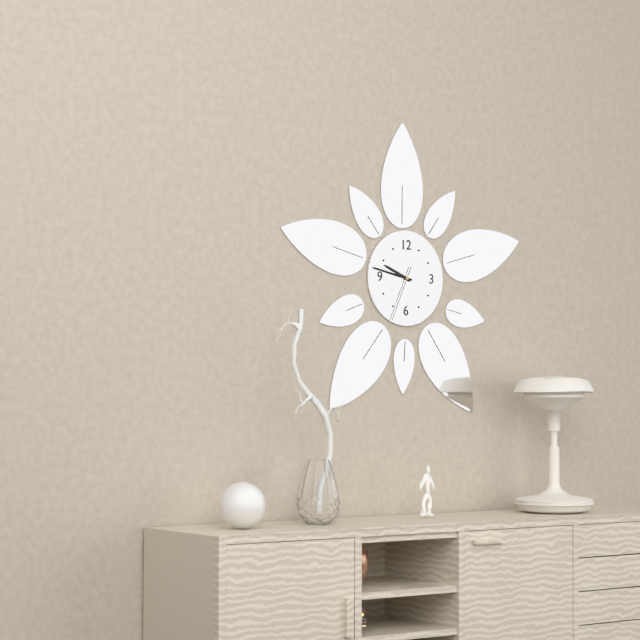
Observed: 9 h 47 min 34 s
